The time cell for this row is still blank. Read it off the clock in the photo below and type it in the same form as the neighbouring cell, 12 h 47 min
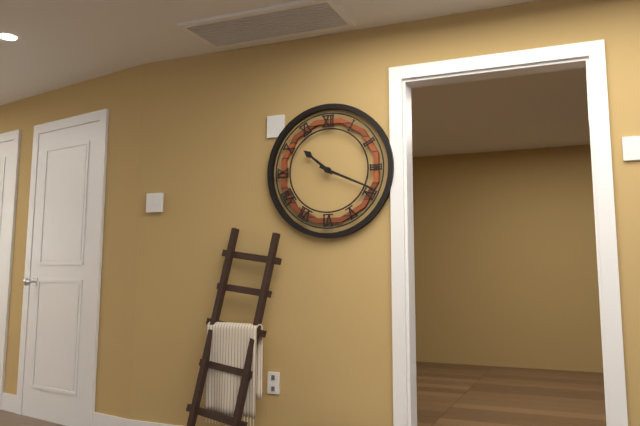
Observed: 10 h 19 min
